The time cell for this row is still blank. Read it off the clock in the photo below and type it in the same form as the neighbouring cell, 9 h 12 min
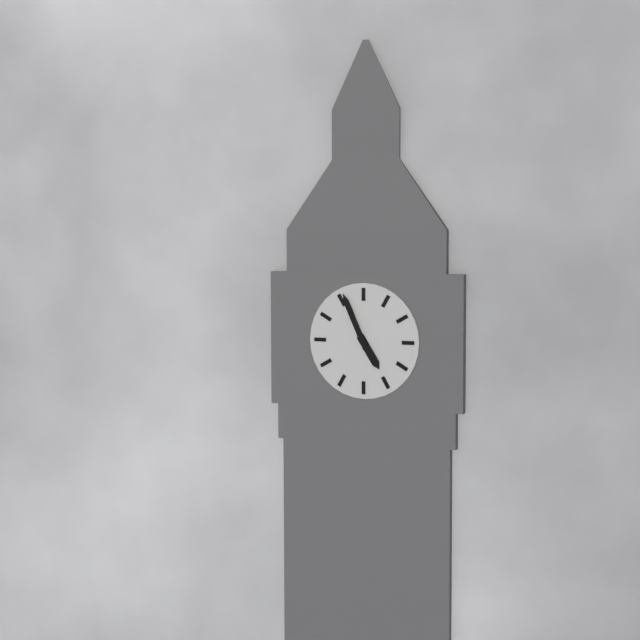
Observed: 4 h 56 min
